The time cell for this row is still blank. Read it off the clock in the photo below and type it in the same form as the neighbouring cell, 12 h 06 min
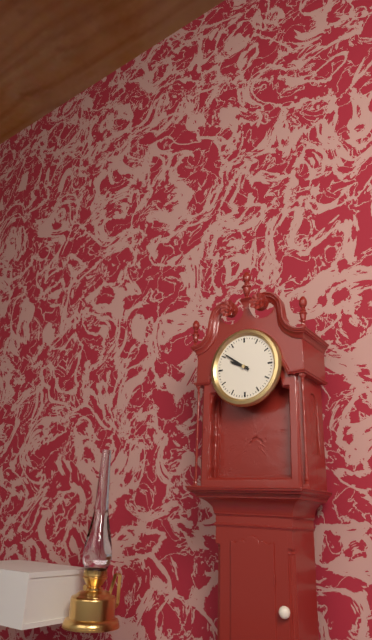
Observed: 9 h 51 min
